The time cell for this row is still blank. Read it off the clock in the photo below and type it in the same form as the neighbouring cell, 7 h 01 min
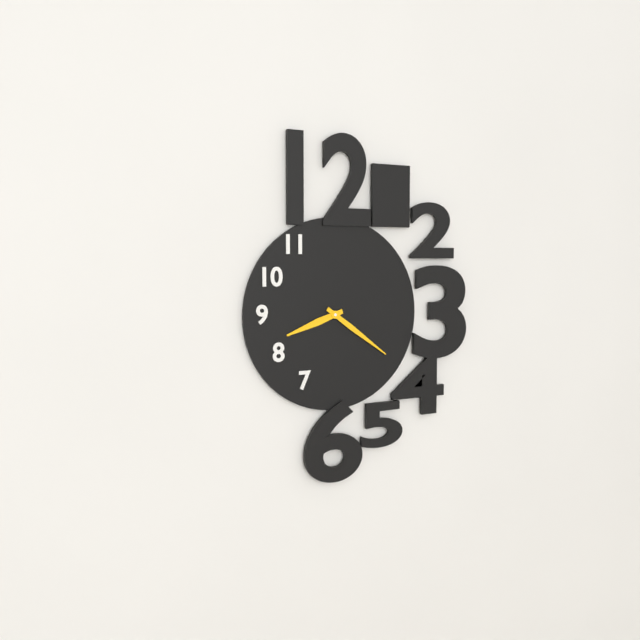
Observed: 8 h 21 min
